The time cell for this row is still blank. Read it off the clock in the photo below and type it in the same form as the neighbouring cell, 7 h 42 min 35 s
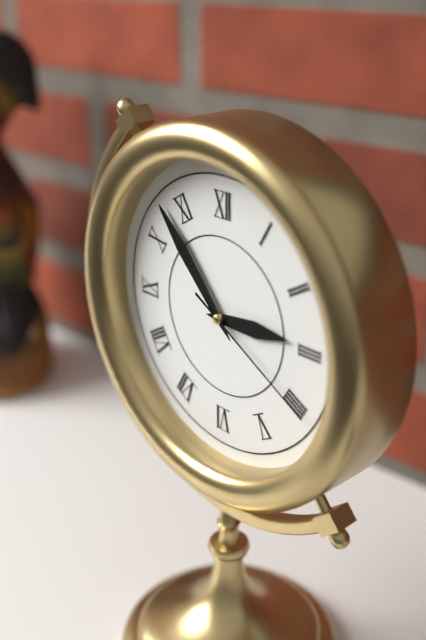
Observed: 2 h 53 min 20 s
